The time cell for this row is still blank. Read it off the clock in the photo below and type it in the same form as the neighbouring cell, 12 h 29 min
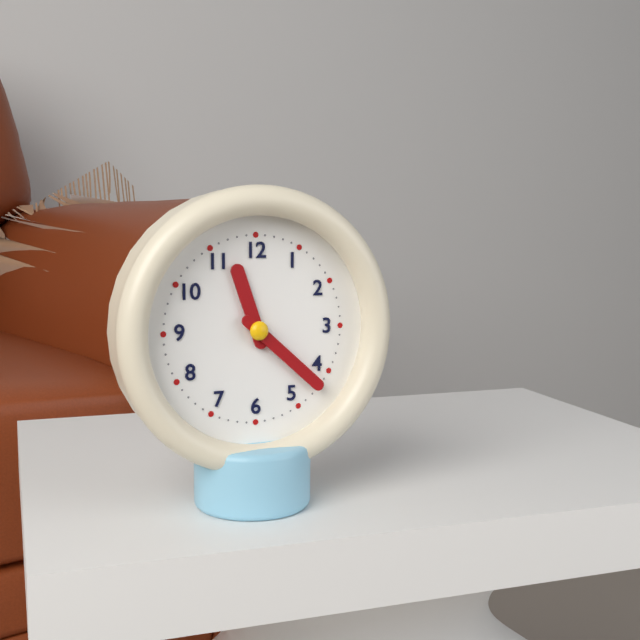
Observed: 11 h 22 min
